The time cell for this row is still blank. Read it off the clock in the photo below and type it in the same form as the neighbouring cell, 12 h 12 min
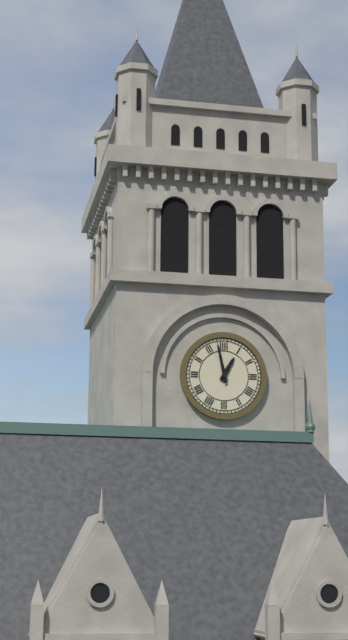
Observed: 12 h 58 min
